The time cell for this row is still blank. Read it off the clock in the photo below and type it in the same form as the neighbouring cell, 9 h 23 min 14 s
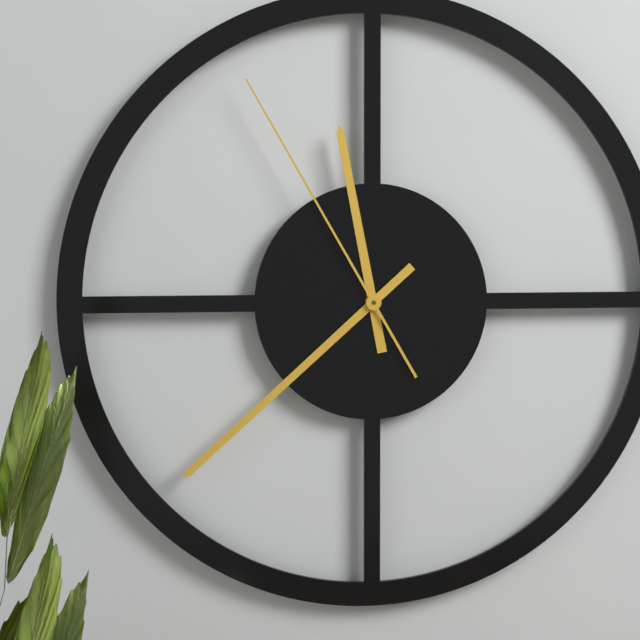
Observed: 11 h 38 min 55 s
